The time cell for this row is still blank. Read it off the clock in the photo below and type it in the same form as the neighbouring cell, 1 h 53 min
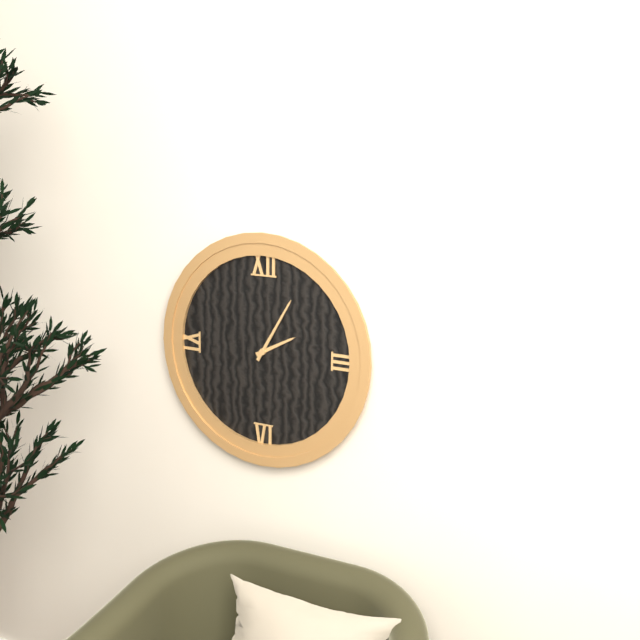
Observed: 2 h 05 min
